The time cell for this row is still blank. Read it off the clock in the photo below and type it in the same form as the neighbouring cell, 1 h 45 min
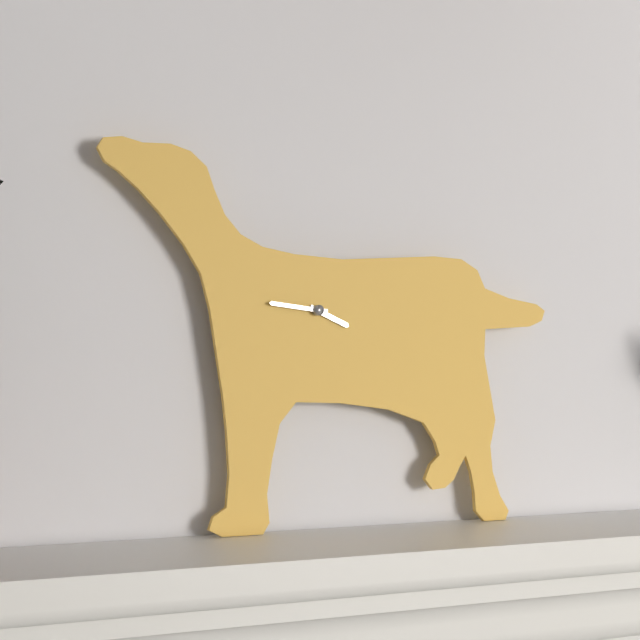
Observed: 3 h 46 min
